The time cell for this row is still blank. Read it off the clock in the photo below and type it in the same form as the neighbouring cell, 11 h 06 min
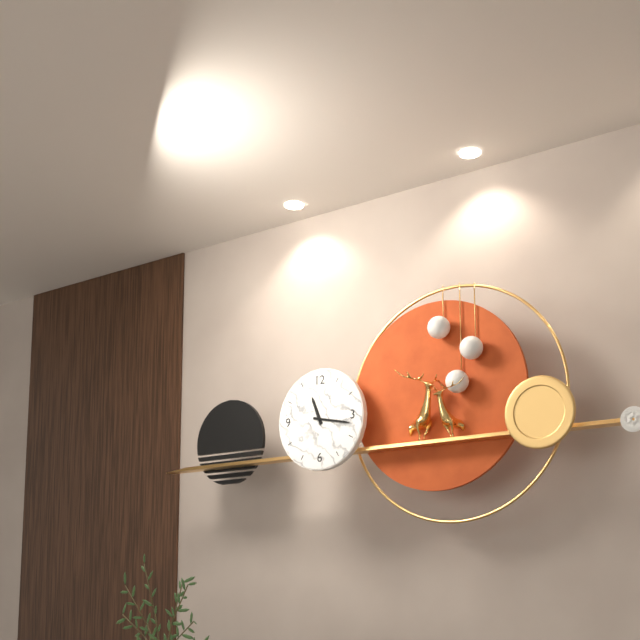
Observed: 11 h 17 min
